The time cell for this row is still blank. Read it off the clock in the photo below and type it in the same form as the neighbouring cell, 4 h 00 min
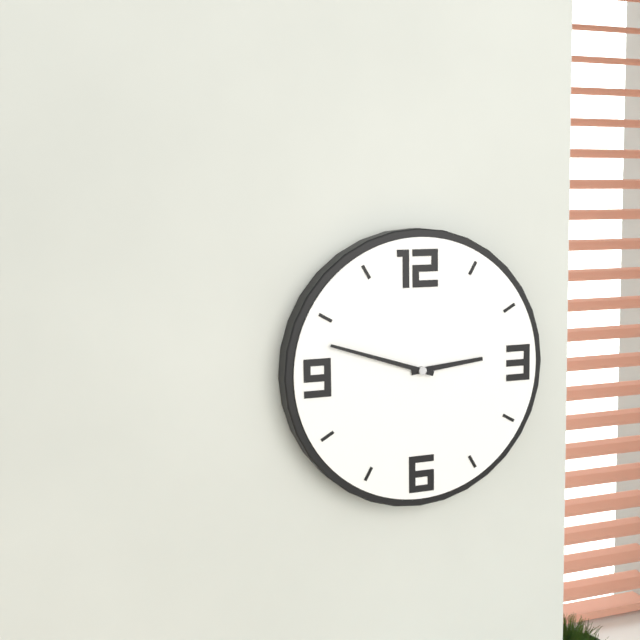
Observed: 2 h 48 min
